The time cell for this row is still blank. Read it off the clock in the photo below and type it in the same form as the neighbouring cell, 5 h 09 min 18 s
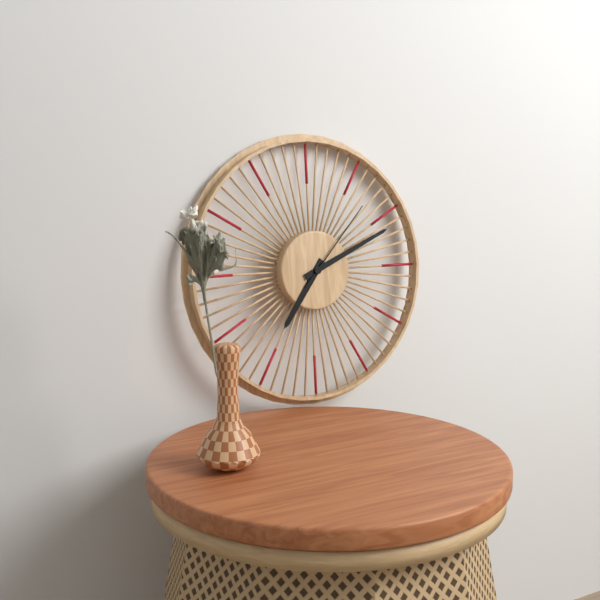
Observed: 7 h 11 min 07 s
